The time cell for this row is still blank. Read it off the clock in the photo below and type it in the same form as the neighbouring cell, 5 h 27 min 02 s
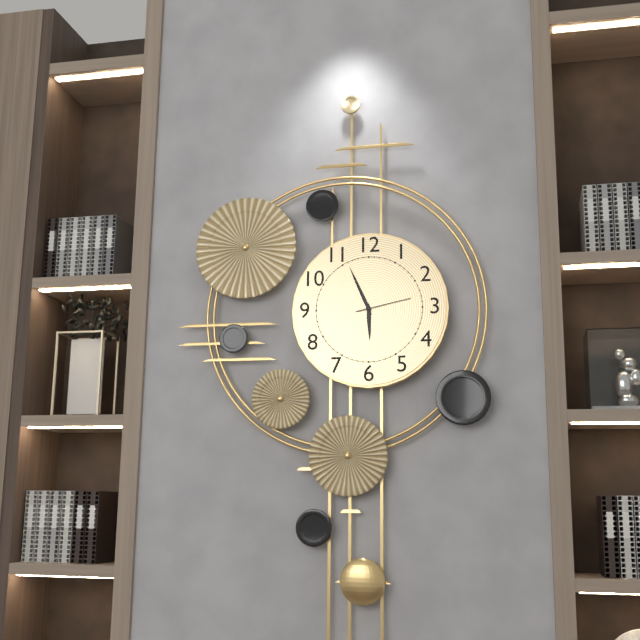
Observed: 5 h 56 min 13 s
